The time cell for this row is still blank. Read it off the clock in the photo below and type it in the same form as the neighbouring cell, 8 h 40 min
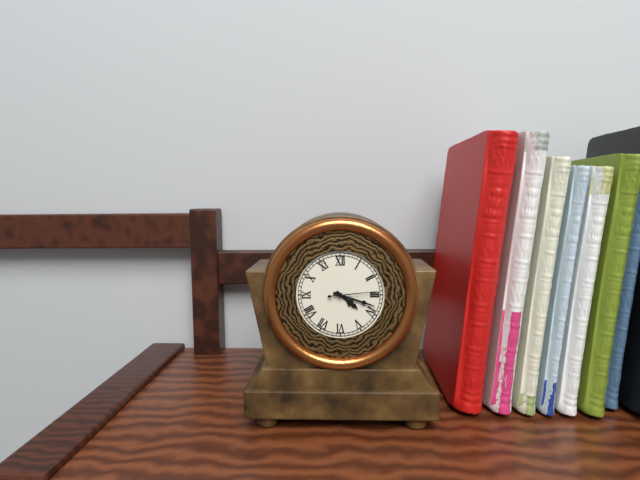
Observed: 4 h 18 min
